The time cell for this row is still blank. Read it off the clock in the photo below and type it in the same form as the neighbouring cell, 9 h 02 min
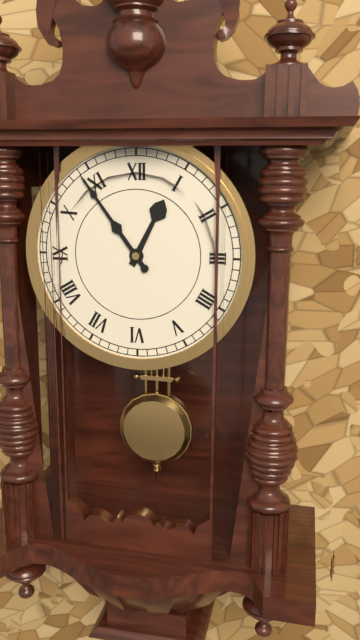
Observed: 12 h 54 min
